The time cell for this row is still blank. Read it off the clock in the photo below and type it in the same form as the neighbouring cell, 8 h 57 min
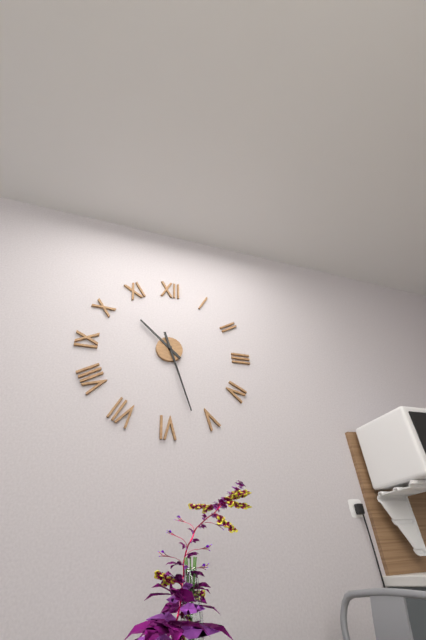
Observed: 10 h 27 min
